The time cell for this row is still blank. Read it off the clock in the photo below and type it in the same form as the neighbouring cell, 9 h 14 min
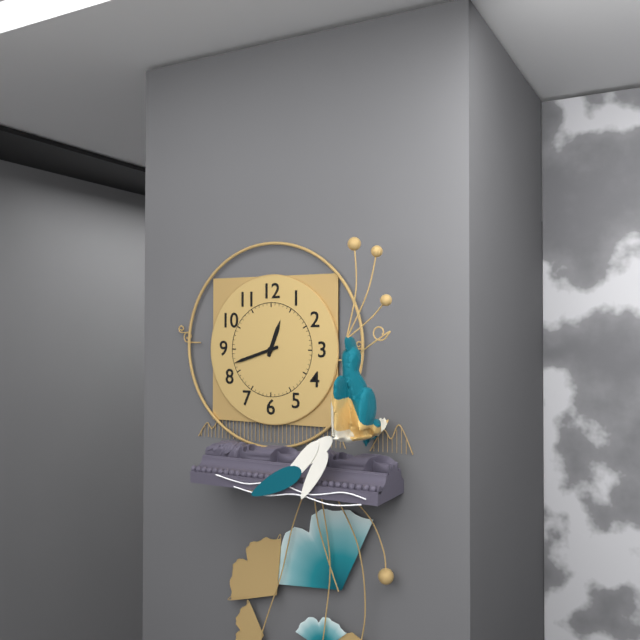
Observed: 12 h 42 min
